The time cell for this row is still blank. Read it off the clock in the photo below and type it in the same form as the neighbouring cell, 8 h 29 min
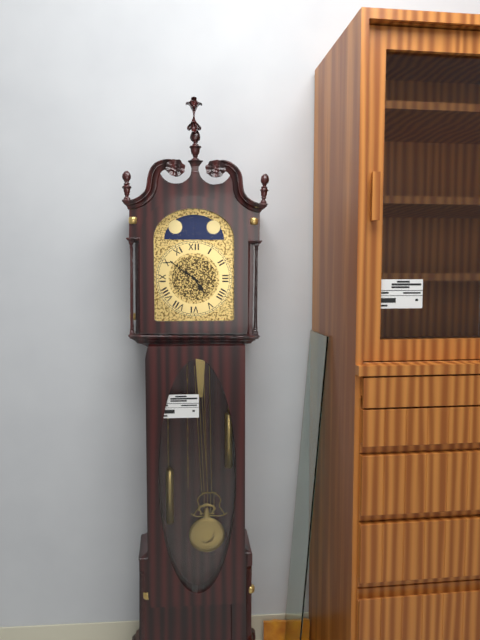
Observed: 4 h 51 min
